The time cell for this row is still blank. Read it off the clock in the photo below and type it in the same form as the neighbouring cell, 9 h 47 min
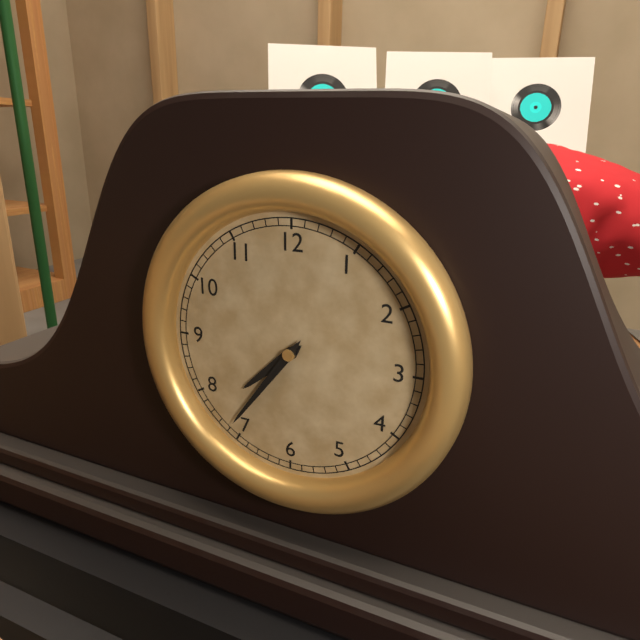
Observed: 7 h 36 min
